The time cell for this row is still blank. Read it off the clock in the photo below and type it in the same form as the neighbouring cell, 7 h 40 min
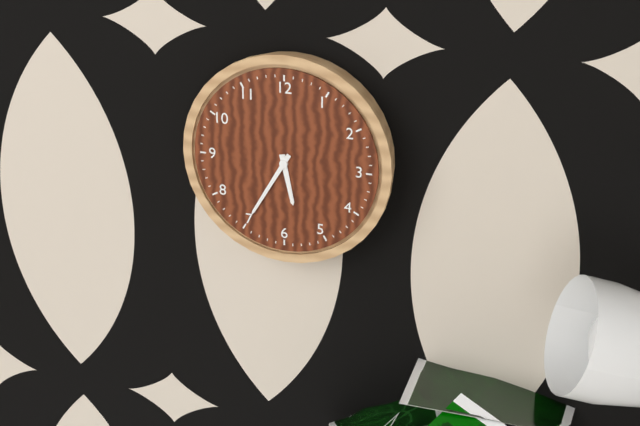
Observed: 5 h 35 min
